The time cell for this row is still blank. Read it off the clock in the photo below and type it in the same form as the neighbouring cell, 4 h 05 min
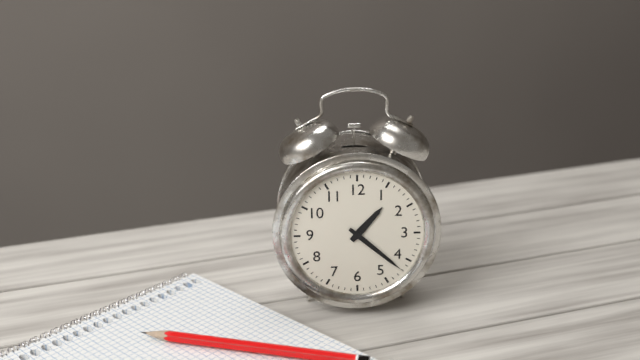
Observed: 1 h 22 min
